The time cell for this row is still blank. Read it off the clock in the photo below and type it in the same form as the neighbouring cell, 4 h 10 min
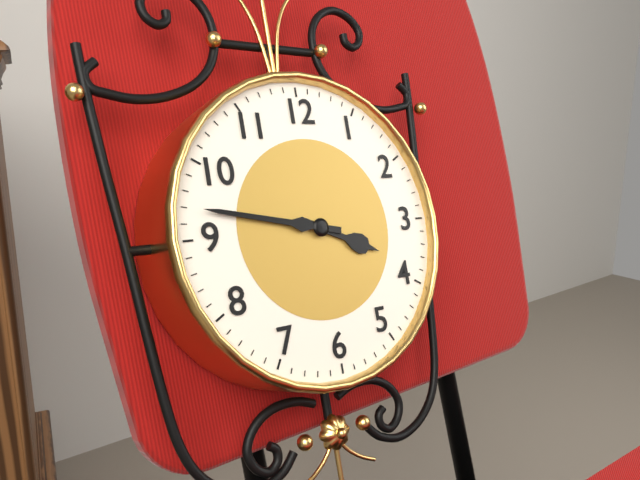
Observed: 3 h 47 min
